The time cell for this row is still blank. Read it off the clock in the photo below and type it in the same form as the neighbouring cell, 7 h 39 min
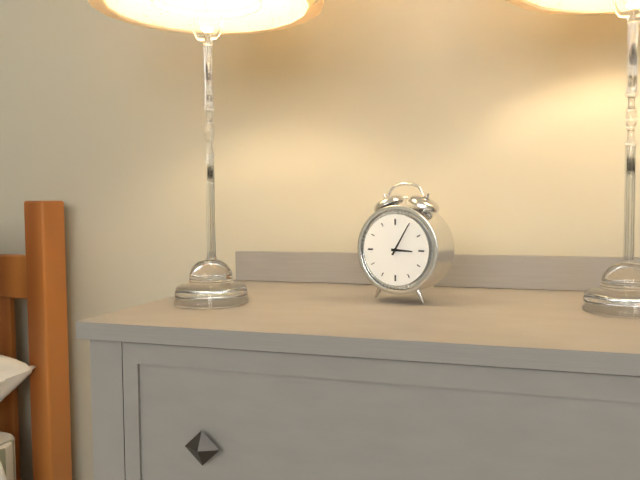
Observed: 3 h 05 min
